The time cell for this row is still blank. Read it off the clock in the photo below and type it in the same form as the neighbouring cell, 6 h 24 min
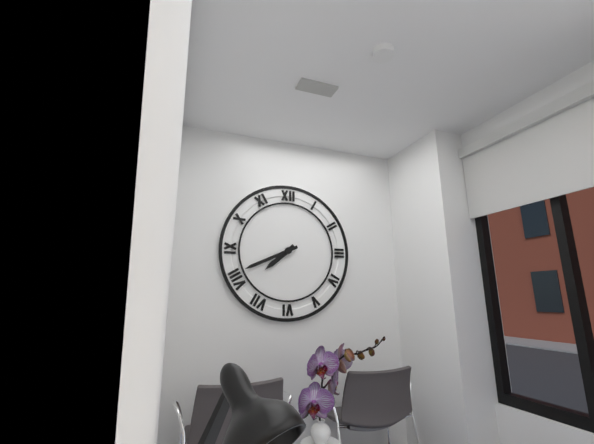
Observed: 7 h 41 min
